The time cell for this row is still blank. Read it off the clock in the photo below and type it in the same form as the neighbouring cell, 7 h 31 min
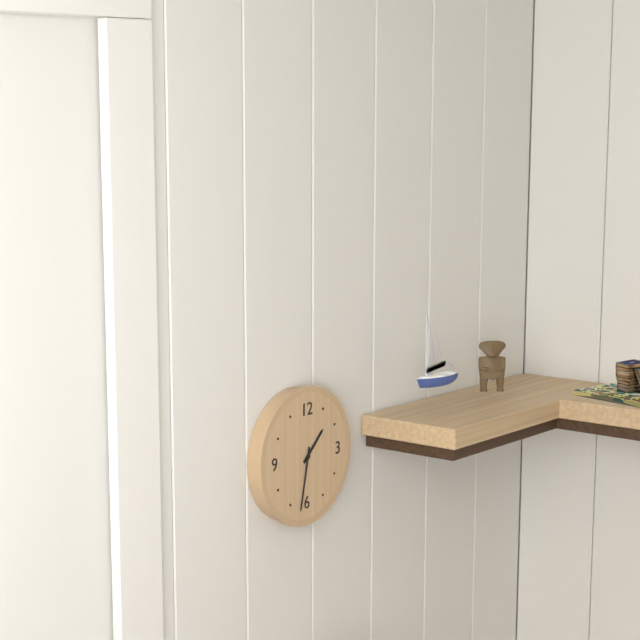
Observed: 1 h 32 min
